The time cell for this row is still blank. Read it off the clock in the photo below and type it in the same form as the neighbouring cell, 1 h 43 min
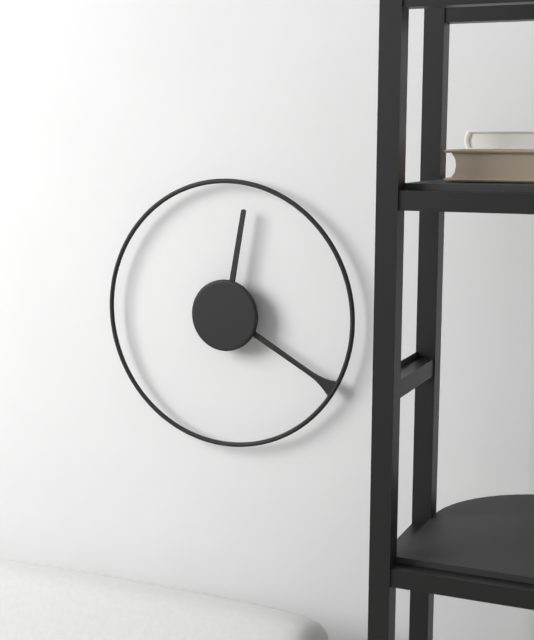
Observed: 12 h 20 min
